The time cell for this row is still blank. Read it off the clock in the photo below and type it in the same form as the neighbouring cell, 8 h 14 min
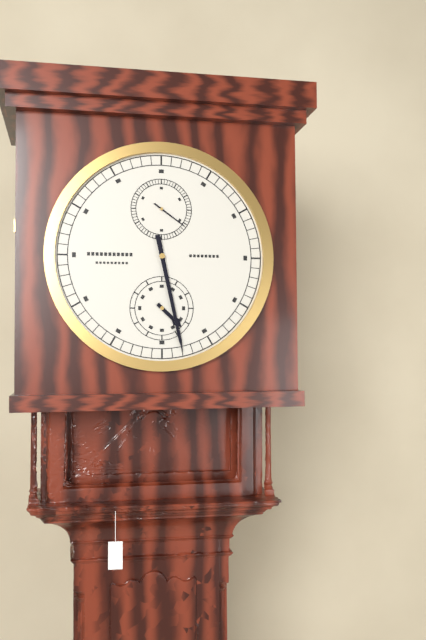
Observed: 4 h 28 min
